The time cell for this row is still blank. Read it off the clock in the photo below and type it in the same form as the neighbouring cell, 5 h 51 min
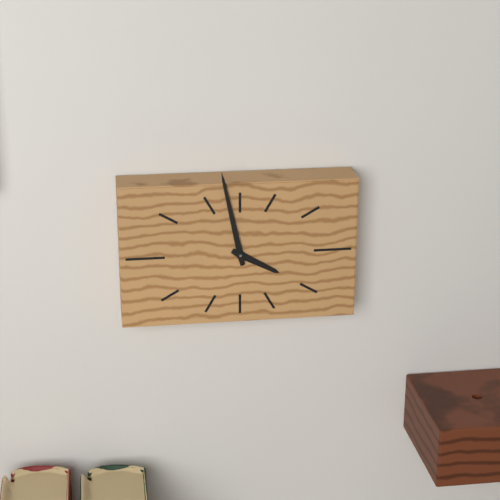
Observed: 3 h 58 min
